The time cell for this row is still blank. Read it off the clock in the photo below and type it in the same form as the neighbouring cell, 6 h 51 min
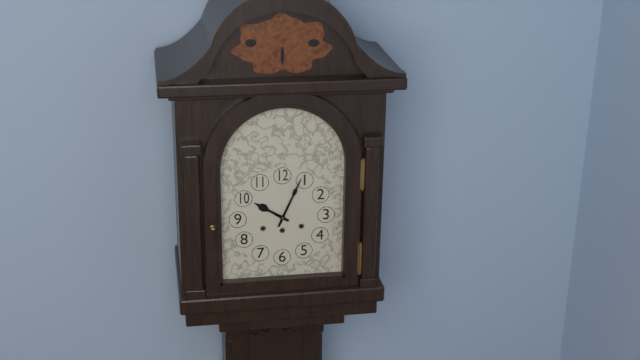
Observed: 10 h 04 min
